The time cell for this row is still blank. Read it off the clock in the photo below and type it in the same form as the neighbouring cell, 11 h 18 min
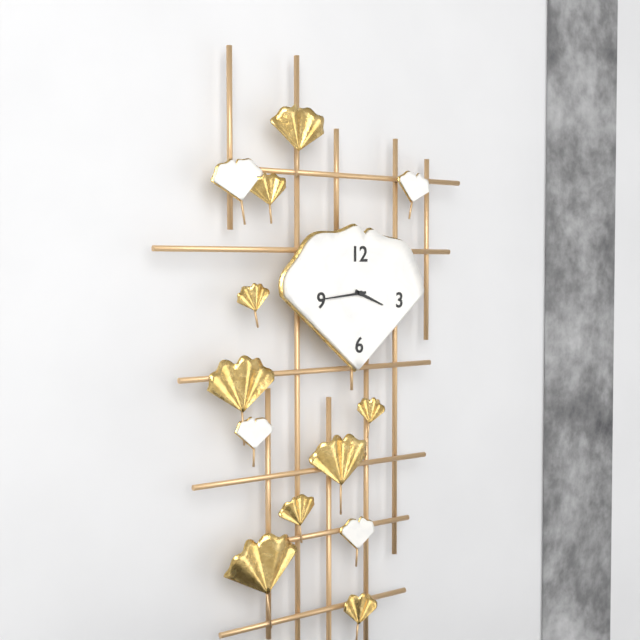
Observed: 3 h 44 min
